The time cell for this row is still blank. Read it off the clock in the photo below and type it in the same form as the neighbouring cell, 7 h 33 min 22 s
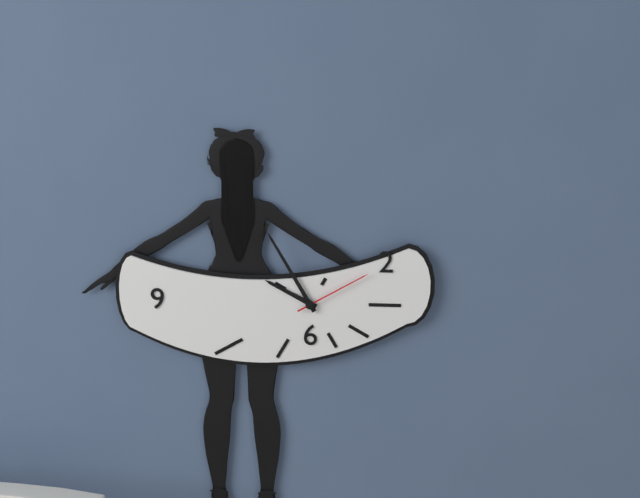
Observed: 9 h 55 min 10 s
